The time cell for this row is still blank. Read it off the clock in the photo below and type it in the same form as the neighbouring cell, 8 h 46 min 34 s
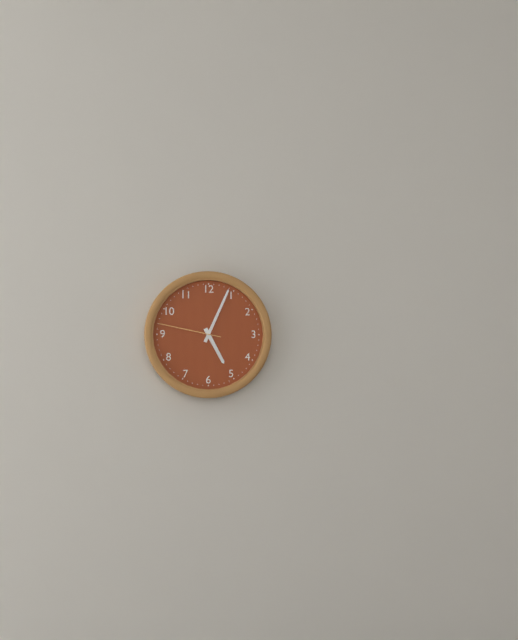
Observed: 5 h 04 min 47 s
